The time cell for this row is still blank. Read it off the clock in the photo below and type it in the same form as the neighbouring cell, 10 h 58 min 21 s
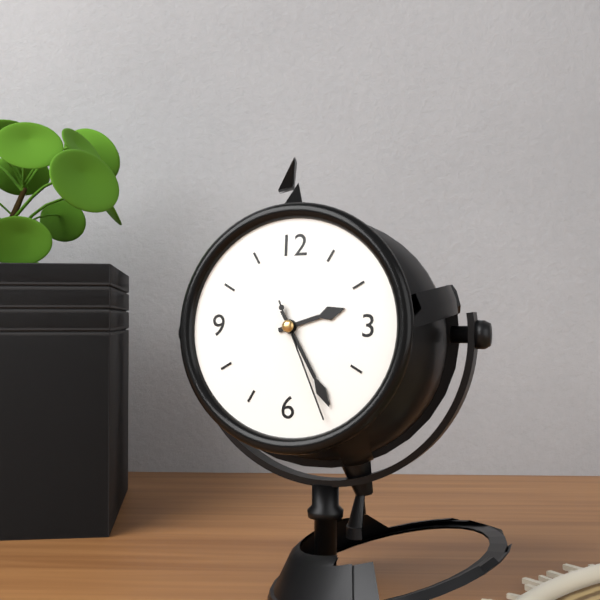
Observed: 2 h 25 min 26 s
